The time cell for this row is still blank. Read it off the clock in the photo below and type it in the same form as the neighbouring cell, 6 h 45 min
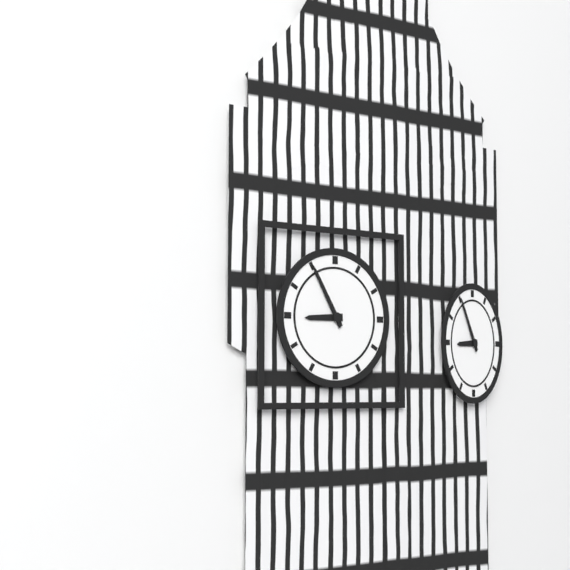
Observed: 8 h 55 min
